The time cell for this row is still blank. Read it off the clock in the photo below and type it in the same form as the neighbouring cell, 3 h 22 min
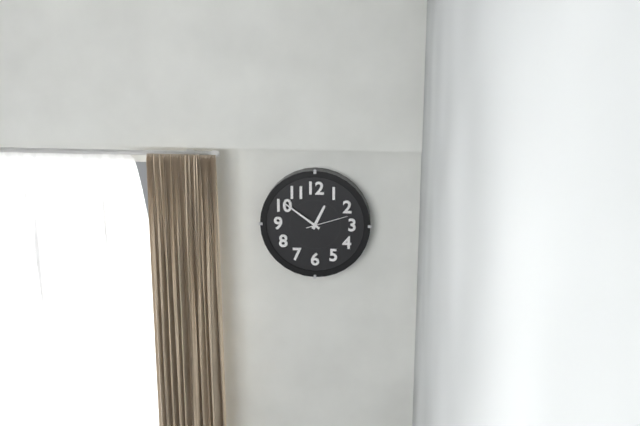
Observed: 12 h 51 min
